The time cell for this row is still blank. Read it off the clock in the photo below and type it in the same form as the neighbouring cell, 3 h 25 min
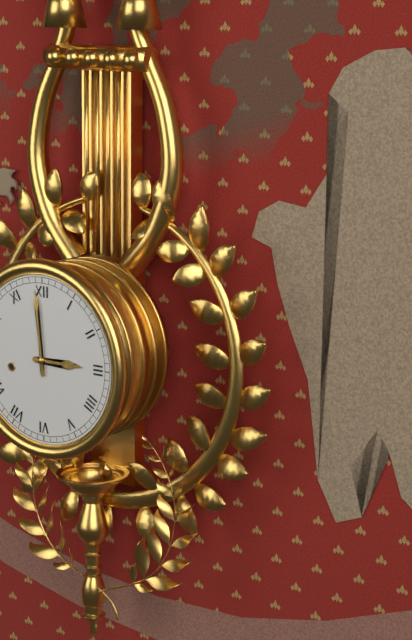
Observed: 2 h 59 min
